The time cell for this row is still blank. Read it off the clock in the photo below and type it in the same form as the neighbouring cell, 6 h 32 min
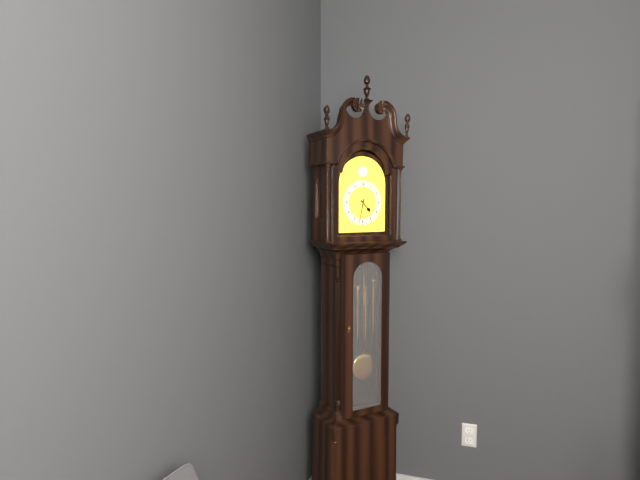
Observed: 4 h 32 min
